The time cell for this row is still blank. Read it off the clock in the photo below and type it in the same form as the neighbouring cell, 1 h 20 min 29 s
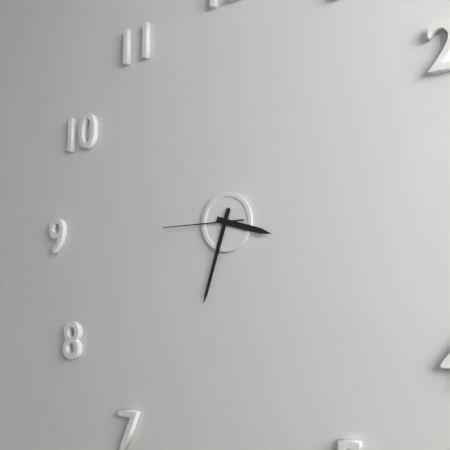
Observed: 3 h 33 min 45 s
